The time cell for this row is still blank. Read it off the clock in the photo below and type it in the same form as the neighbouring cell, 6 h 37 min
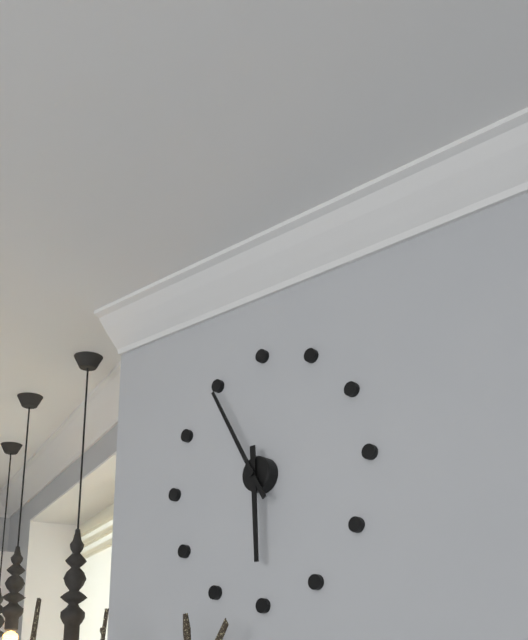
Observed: 5 h 55 min
